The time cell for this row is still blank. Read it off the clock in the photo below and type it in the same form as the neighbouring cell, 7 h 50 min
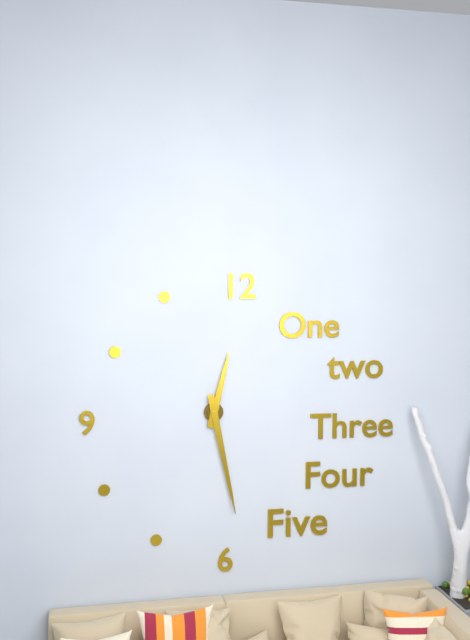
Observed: 12 h 28 min
